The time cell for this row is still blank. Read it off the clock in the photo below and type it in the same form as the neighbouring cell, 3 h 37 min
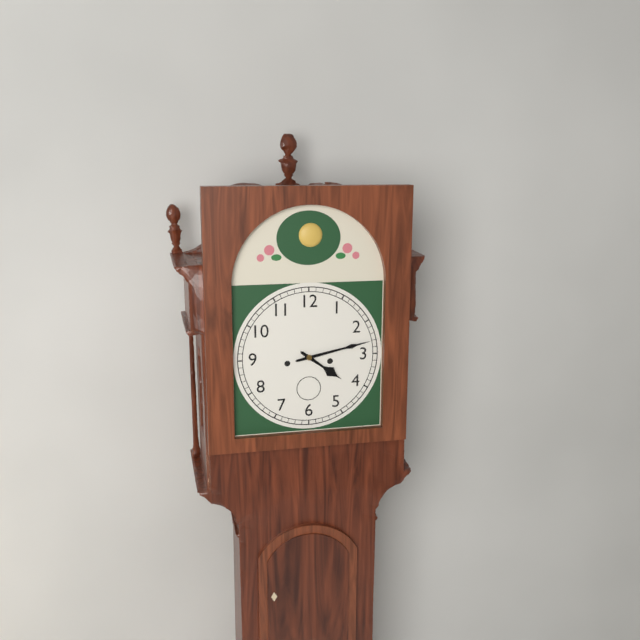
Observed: 4 h 13 min
